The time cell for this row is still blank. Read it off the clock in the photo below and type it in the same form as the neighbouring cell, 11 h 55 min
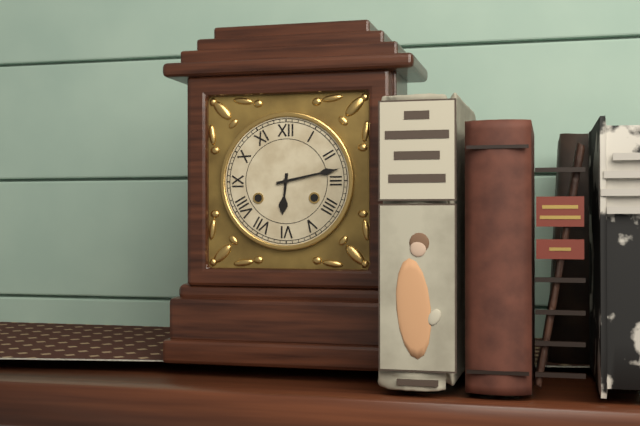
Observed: 6 h 13 min
